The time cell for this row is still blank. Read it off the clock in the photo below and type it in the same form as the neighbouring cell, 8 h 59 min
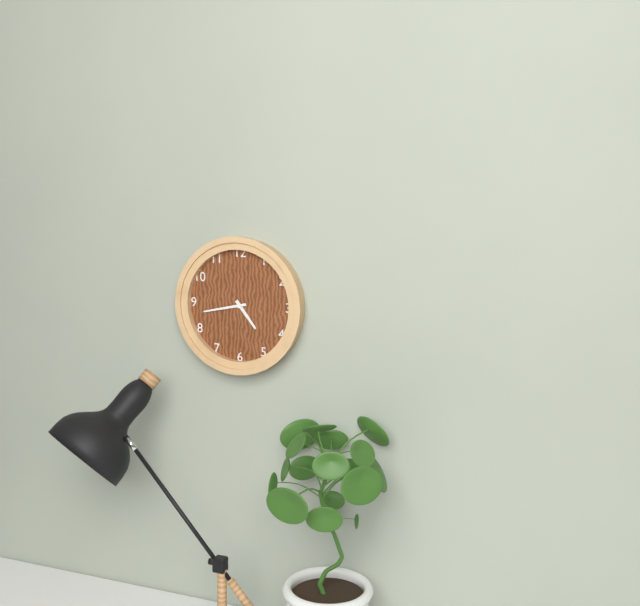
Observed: 4 h 43 min
